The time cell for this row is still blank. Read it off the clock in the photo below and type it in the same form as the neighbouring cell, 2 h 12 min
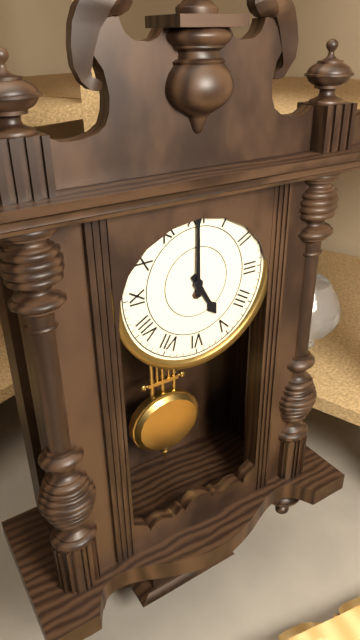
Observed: 5 h 00 min
